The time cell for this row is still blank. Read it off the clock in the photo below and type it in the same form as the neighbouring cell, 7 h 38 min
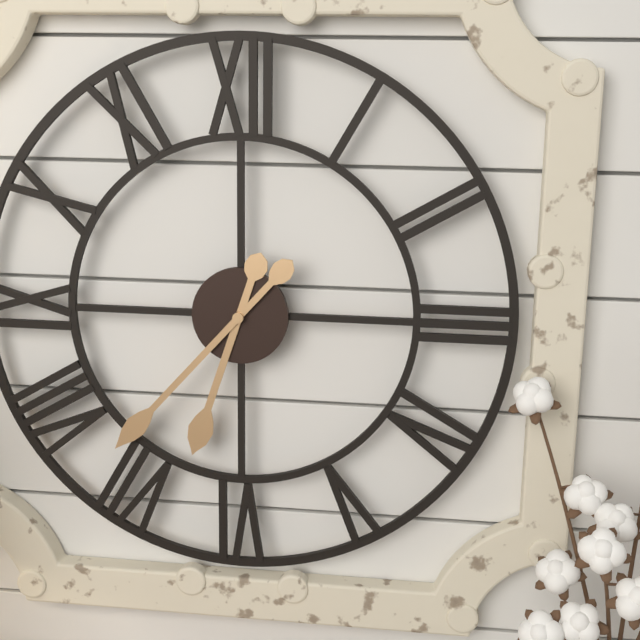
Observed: 6 h 37 min
